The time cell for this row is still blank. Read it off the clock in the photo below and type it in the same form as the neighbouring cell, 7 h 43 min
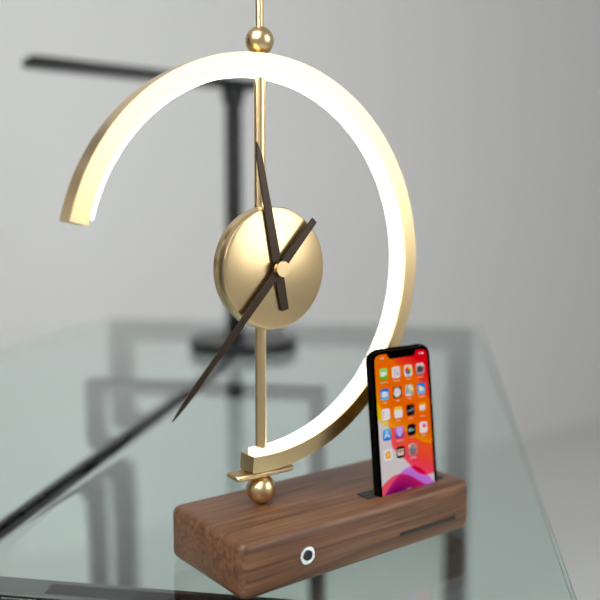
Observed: 11 h 37 min
